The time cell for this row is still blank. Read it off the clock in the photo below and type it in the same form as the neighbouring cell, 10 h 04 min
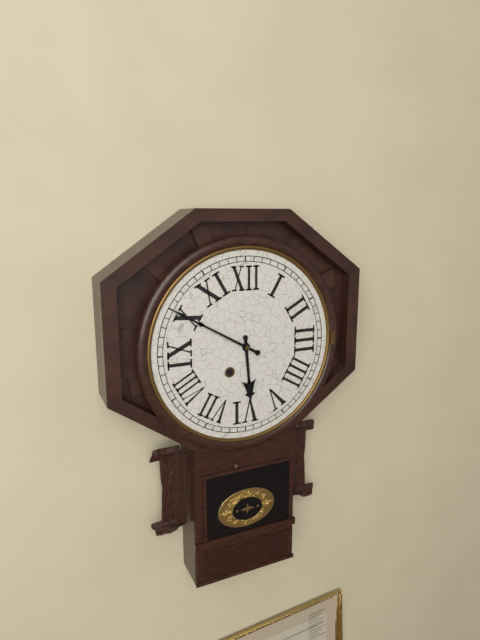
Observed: 5 h 50 min
